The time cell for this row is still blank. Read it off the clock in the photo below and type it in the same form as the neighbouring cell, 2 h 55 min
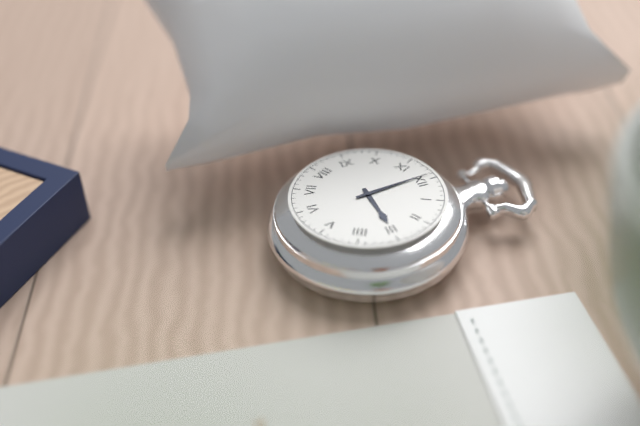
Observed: 2 h 59 min
